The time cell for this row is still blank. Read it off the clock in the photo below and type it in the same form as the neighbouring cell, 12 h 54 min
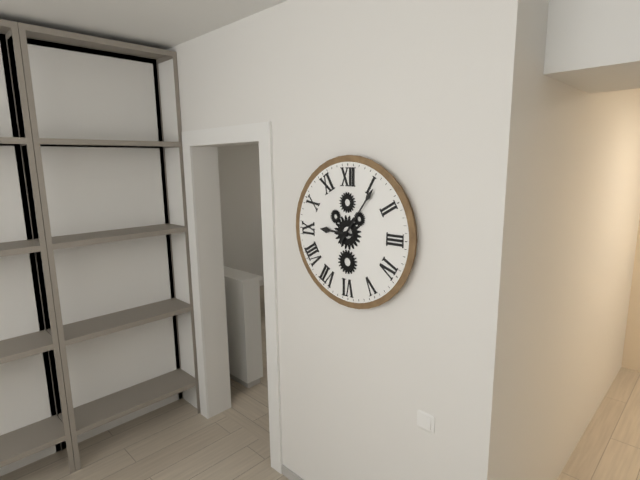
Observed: 9 h 06 min
